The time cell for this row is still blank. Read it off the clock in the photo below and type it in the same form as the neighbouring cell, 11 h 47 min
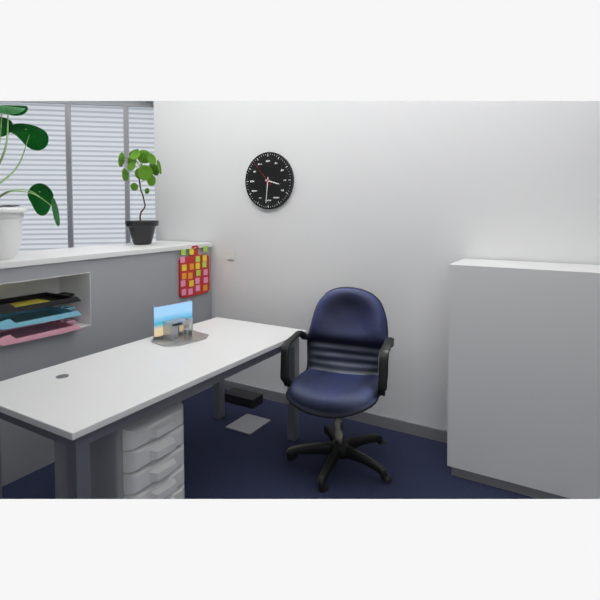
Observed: 3 h 31 min
